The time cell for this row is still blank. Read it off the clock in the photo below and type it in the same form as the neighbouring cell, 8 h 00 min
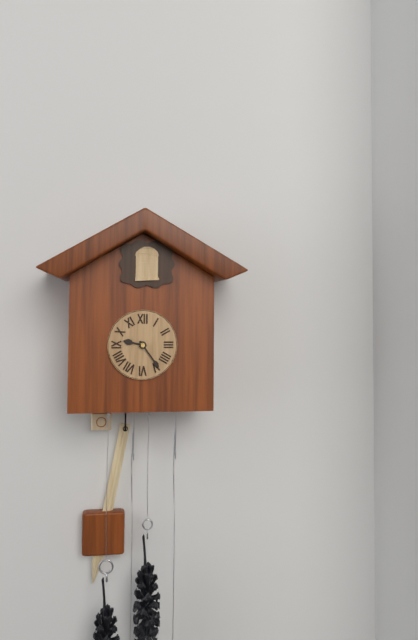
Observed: 9 h 24 min
